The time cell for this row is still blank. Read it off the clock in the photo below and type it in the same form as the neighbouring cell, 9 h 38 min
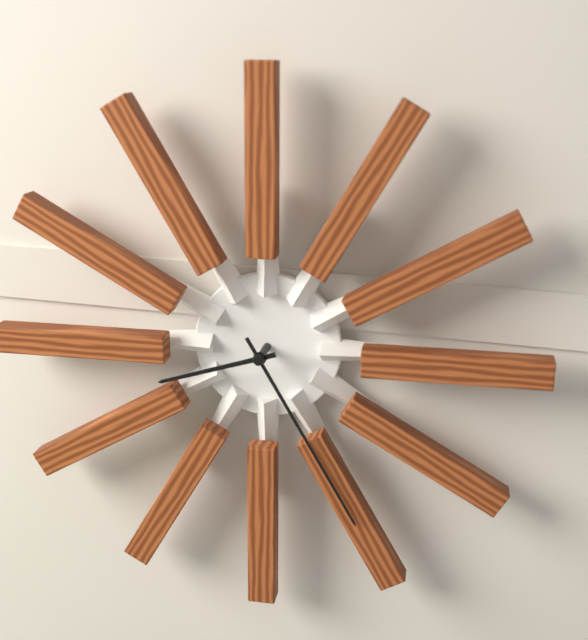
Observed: 8 h 25 min
